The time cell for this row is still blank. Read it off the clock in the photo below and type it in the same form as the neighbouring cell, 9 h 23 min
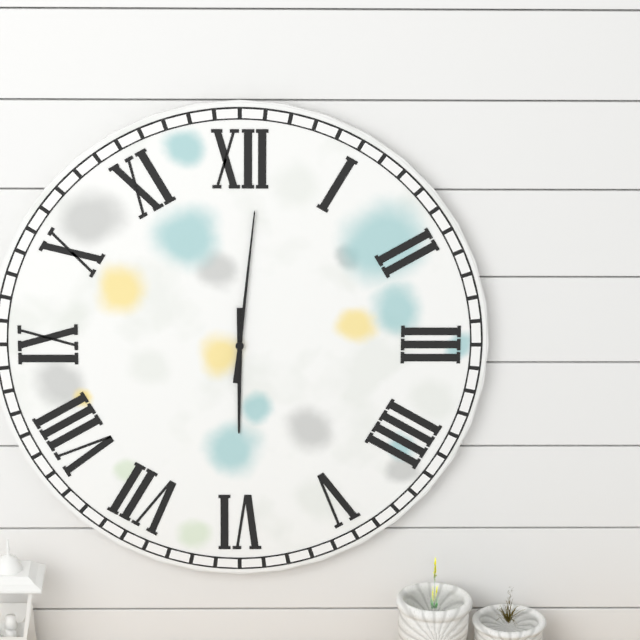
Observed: 6 h 01 min
